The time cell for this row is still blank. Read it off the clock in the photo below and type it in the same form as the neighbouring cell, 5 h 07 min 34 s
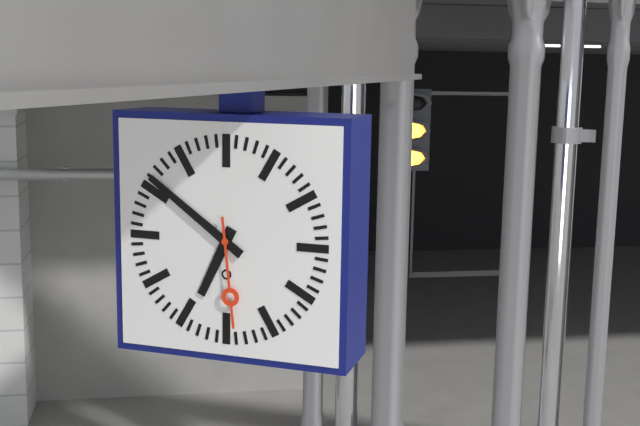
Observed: 6 h 51 min 29 s
